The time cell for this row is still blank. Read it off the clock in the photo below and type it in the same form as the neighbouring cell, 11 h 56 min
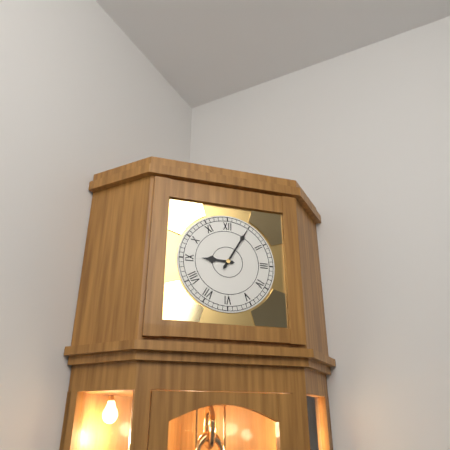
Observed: 9 h 05 min
